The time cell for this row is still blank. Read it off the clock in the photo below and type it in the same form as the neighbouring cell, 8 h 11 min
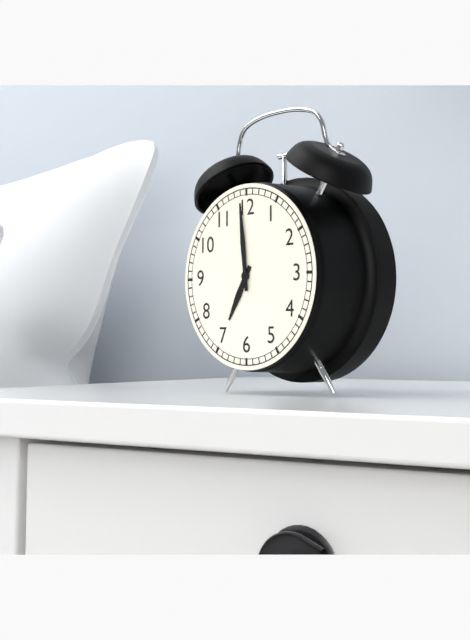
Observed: 6 h 59 min
